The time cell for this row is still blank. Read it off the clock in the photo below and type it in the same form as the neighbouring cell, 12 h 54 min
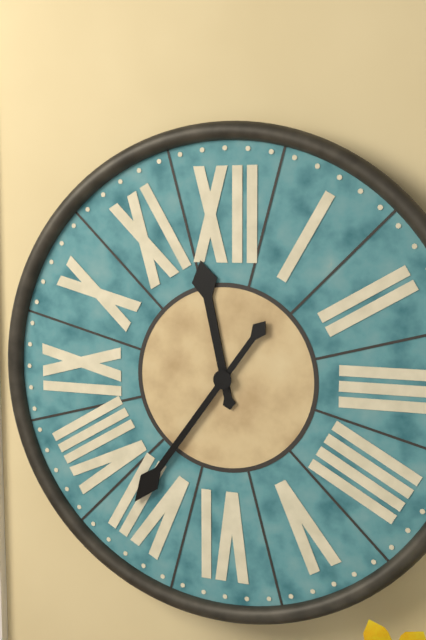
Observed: 11 h 36 min
